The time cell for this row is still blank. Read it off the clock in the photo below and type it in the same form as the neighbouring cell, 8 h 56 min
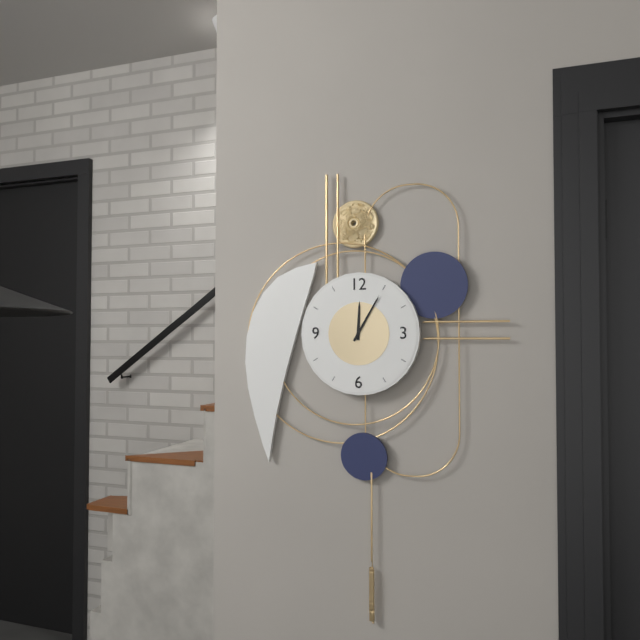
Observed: 12 h 05 min
